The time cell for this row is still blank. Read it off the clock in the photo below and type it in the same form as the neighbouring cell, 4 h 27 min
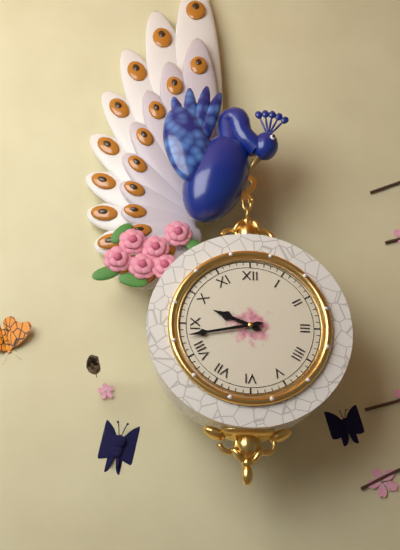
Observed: 9 h 43 min
